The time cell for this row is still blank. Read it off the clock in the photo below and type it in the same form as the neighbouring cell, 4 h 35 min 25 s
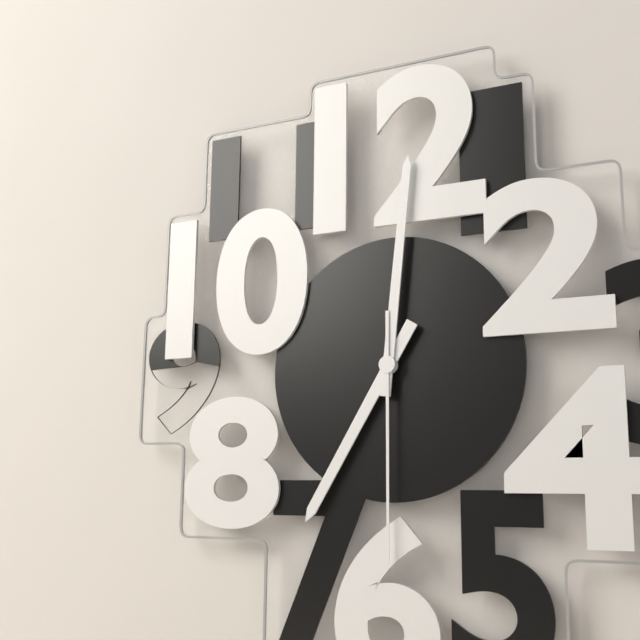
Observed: 7 h 01 min 30 s
